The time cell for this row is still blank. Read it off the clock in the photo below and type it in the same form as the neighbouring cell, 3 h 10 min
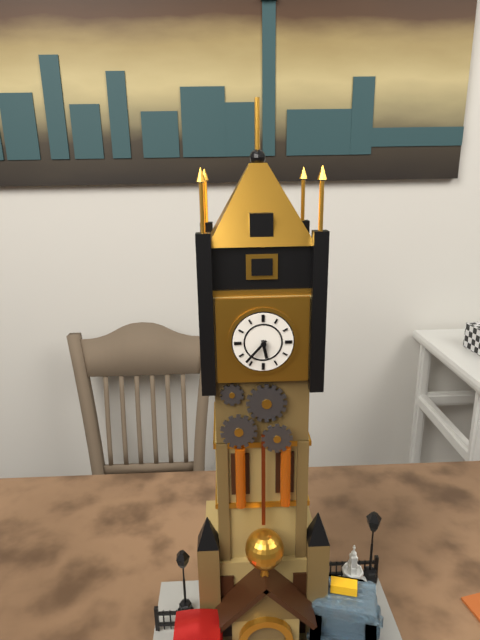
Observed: 5 h 37 min
